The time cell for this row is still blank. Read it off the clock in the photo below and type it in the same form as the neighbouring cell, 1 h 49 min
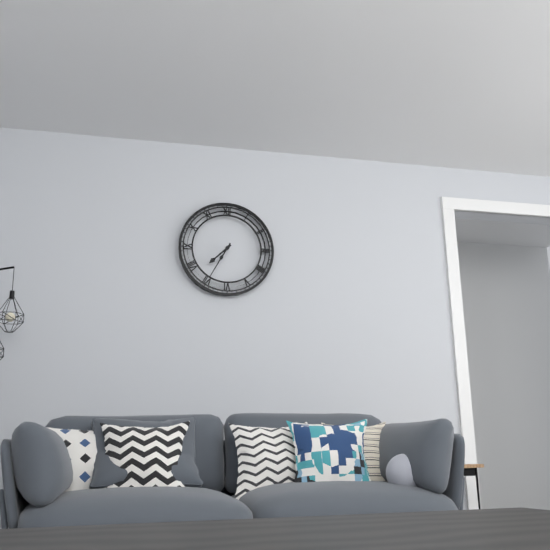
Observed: 7 h 35 min
